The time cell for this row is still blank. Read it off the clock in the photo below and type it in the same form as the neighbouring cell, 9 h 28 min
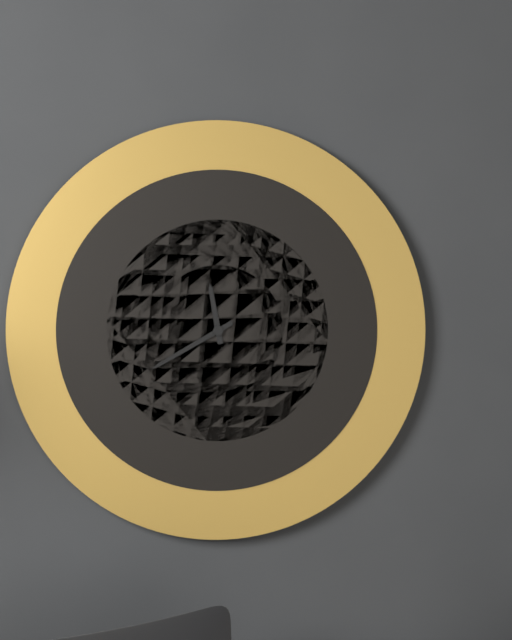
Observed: 11 h 40 min
